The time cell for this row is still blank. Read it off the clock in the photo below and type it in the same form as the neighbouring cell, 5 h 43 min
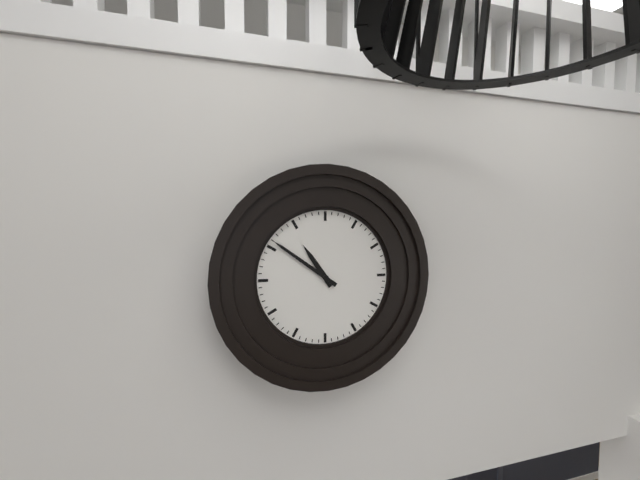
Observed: 10 h 51 min
